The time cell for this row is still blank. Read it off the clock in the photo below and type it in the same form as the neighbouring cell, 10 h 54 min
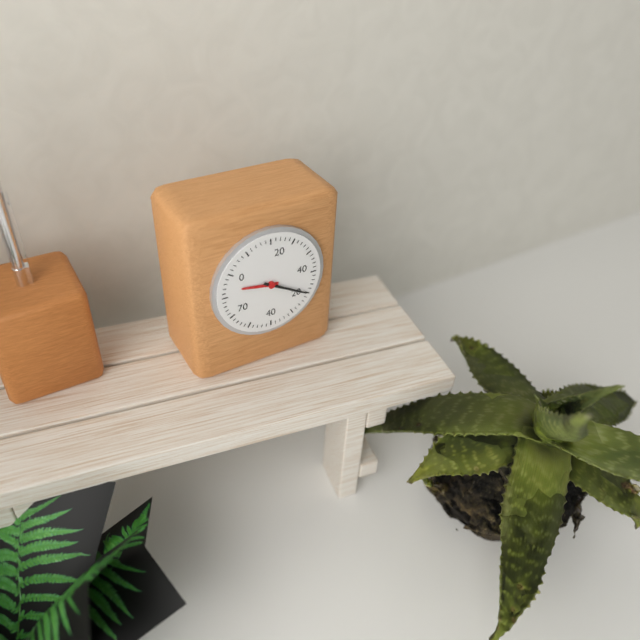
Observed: 9 h 20 min
